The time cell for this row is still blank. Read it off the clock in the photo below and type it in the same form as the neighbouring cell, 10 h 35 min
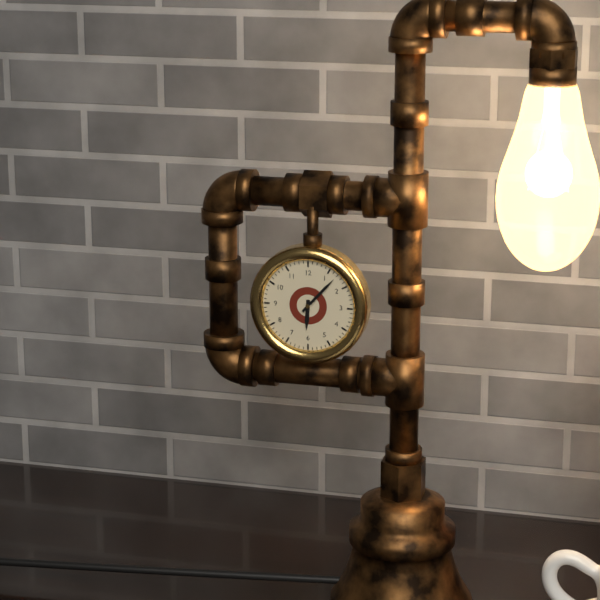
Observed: 6 h 07 min
